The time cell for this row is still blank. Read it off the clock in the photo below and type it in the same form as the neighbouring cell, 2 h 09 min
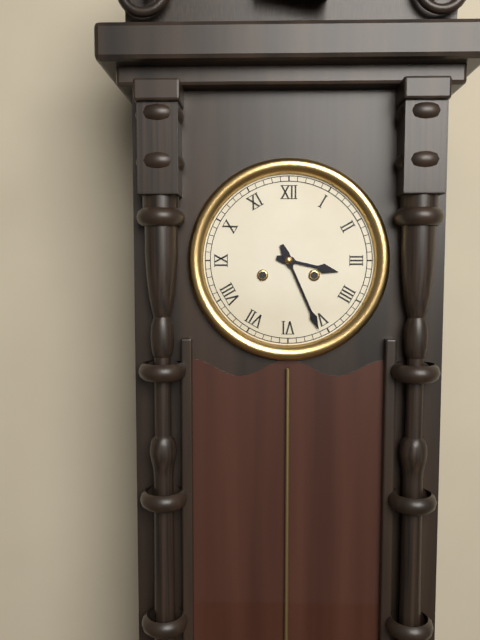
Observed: 3 h 26 min
